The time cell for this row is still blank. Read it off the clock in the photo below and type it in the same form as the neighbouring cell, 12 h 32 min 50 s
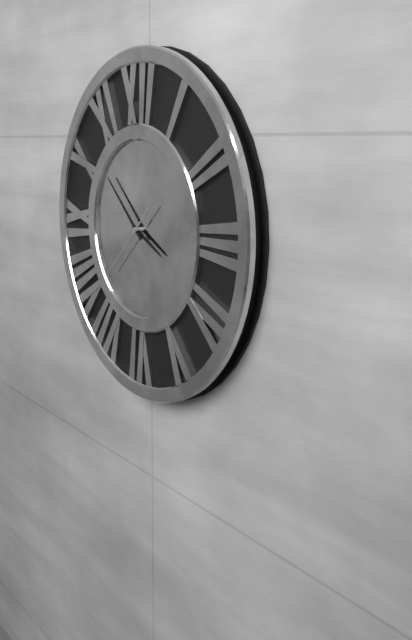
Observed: 3 h 52 min 38 s
